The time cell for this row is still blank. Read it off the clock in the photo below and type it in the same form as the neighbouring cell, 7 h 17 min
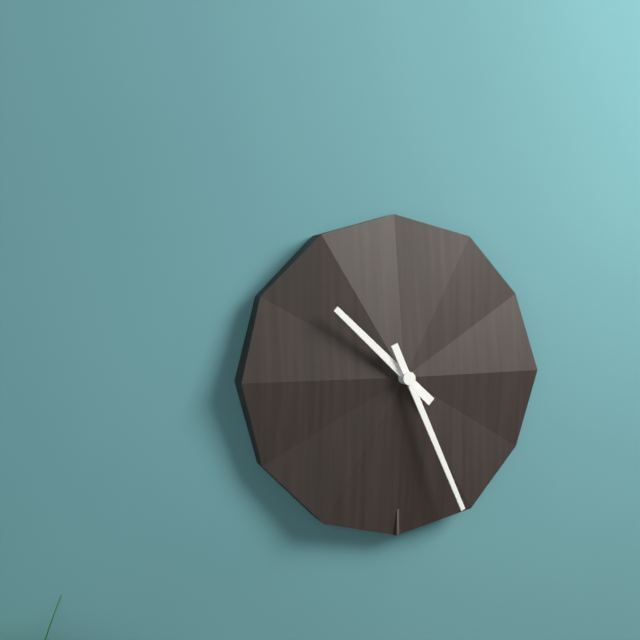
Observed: 10 h 26 min
